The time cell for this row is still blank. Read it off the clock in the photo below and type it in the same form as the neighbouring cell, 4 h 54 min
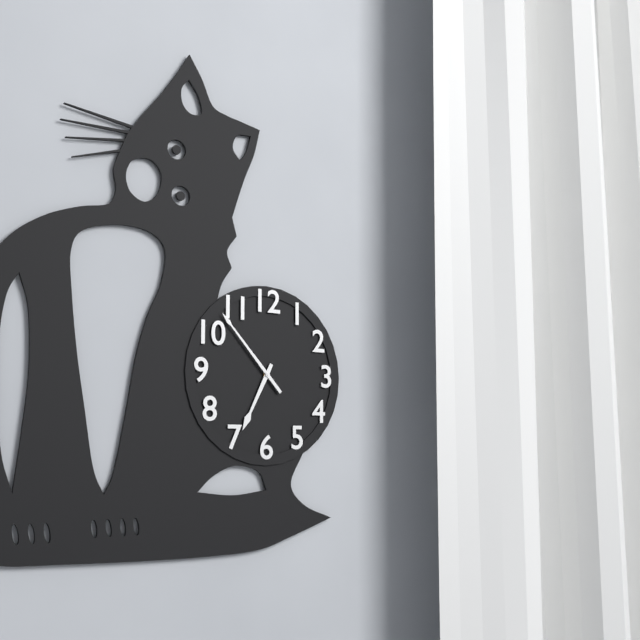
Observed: 6 h 53 min
